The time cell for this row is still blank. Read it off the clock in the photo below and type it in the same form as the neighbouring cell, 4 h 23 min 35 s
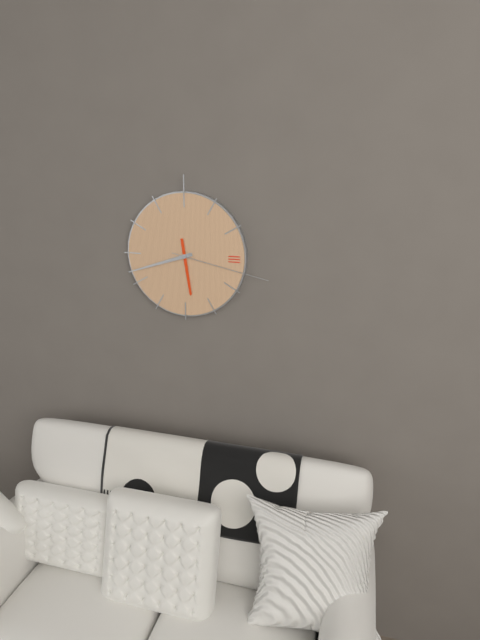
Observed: 5 h 42 min 17 s
